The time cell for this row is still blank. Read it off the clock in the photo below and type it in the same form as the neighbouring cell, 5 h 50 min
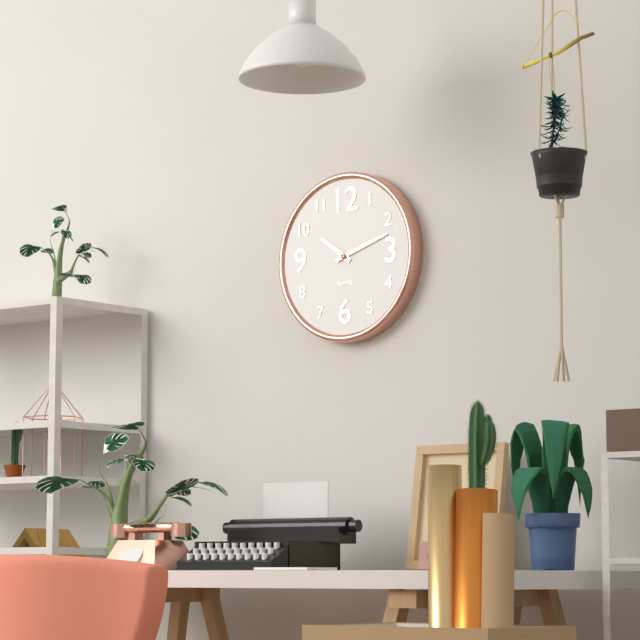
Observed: 10 h 12 min
